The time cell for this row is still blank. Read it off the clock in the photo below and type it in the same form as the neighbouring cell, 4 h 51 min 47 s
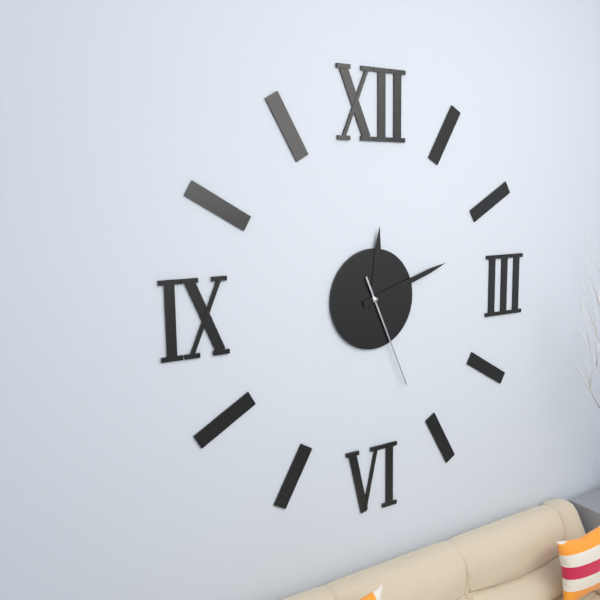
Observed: 12 h 12 min 26 s
